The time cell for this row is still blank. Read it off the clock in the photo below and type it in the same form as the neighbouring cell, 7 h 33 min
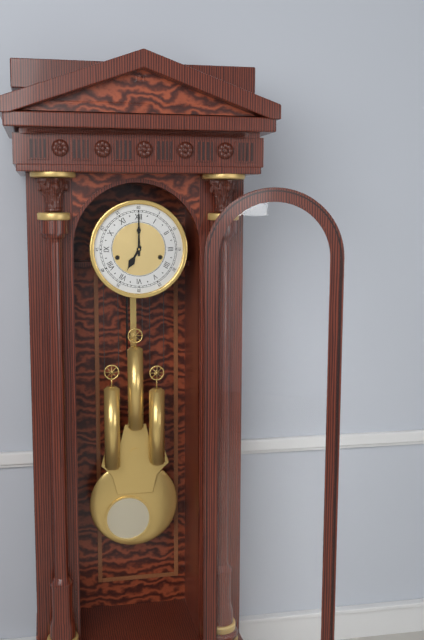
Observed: 7 h 00 min
